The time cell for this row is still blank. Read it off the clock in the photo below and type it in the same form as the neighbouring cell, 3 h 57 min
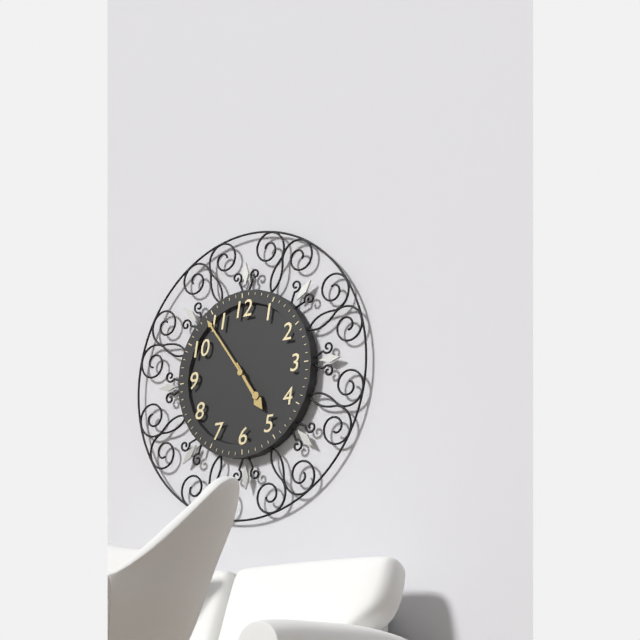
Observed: 4 h 54 min
